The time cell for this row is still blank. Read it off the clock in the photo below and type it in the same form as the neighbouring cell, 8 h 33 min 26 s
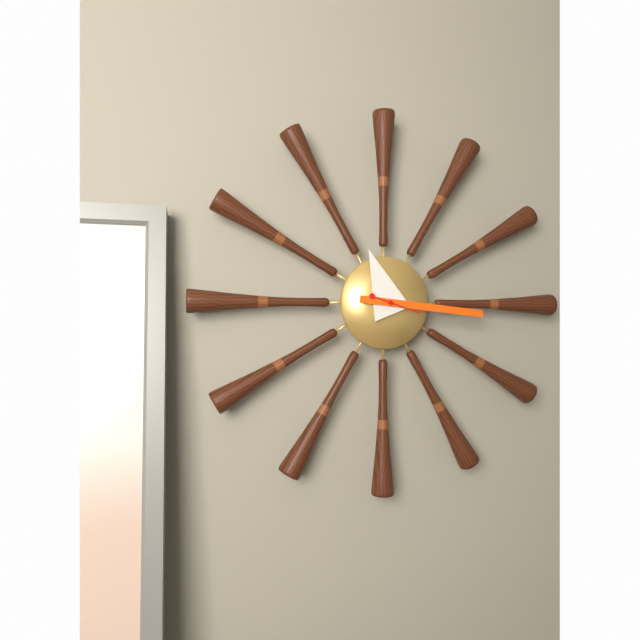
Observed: 11 h 16 min 18 s
